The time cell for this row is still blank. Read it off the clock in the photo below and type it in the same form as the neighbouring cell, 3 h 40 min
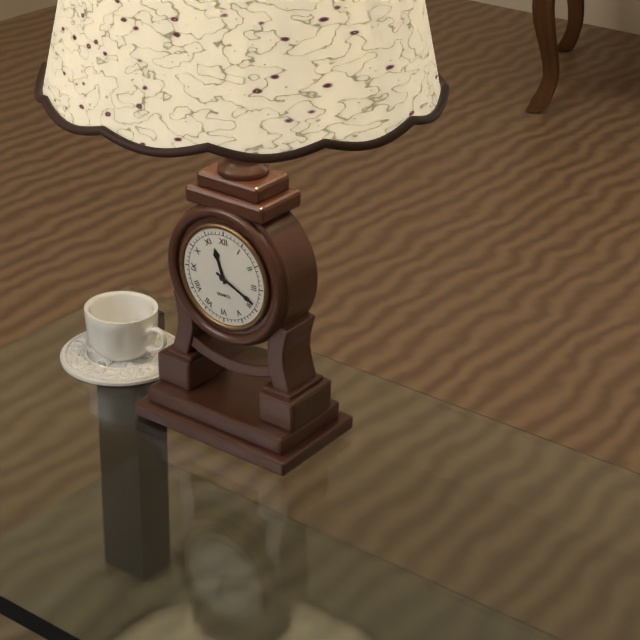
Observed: 11 h 19 min
